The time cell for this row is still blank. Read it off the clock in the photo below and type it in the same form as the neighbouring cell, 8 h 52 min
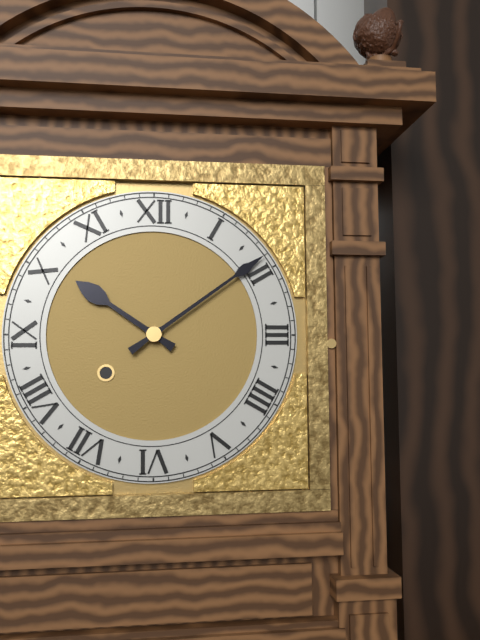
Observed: 10 h 09 min
